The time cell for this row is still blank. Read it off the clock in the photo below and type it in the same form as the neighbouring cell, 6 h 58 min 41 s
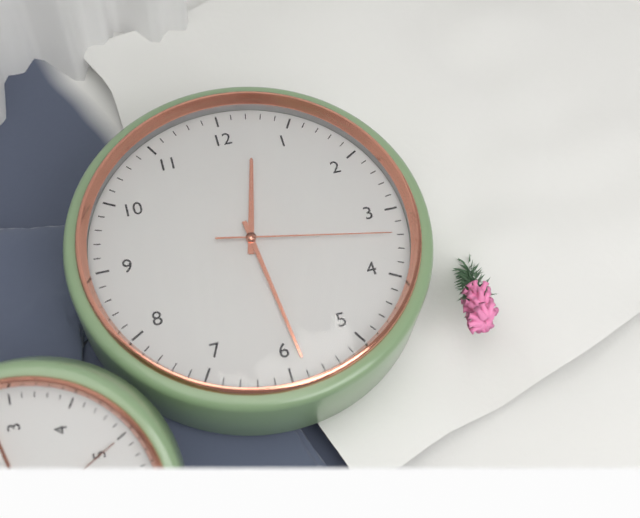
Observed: 12 h 29 min 17 s
